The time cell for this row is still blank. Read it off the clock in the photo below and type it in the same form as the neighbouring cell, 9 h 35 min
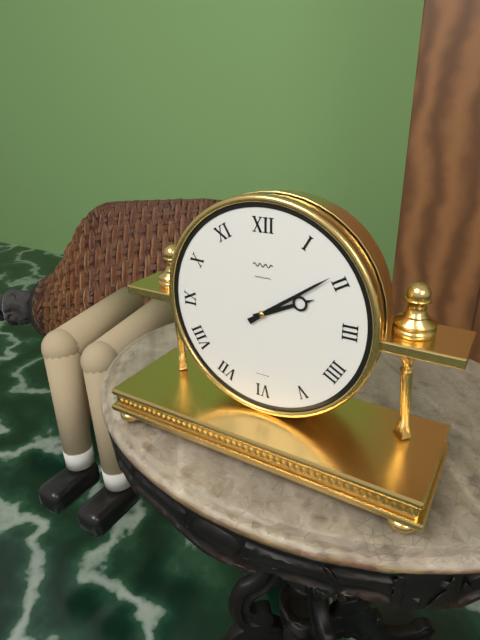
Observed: 2 h 09 min
